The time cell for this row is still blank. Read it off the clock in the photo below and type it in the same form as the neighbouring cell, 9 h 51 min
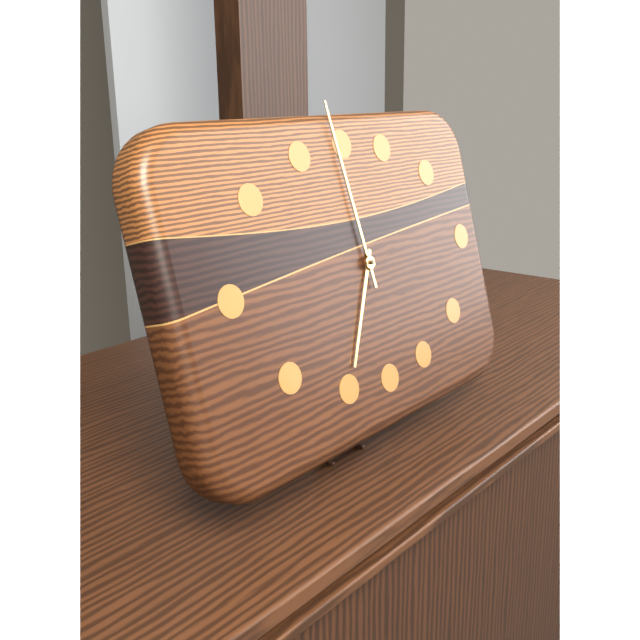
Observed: 6 h 59 min
